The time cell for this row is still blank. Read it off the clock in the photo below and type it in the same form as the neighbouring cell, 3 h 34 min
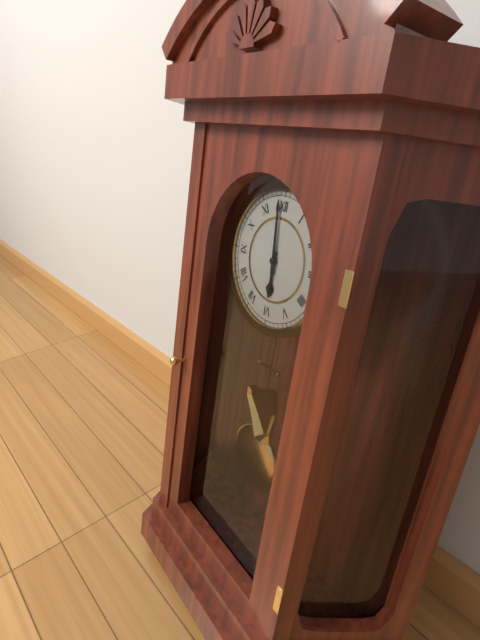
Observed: 5 h 59 min
